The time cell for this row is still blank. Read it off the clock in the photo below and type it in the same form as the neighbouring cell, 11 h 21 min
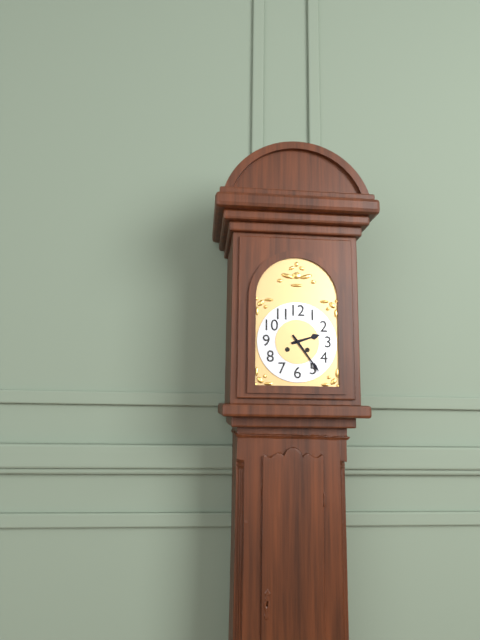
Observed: 2 h 24 min
